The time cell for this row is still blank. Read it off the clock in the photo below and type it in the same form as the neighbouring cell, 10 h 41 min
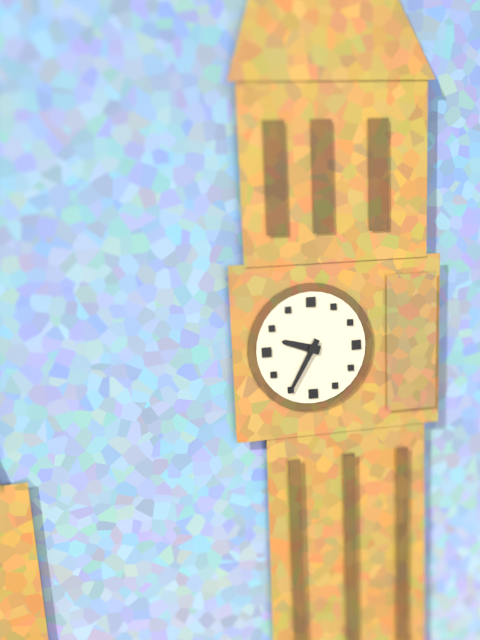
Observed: 9 h 35 min
